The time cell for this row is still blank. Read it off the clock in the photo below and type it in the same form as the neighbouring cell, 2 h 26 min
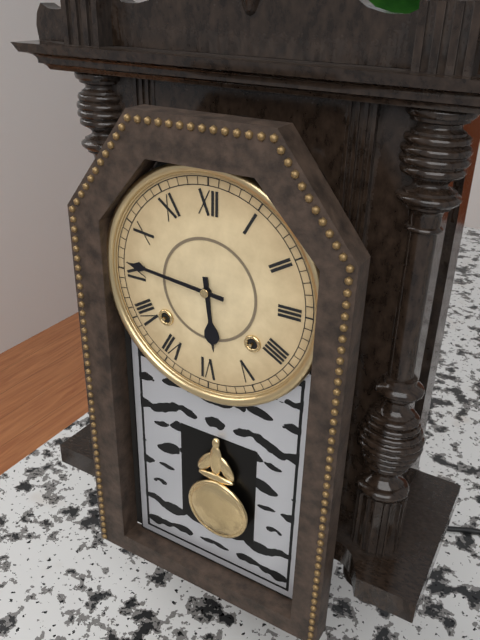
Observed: 5 h 46 min
